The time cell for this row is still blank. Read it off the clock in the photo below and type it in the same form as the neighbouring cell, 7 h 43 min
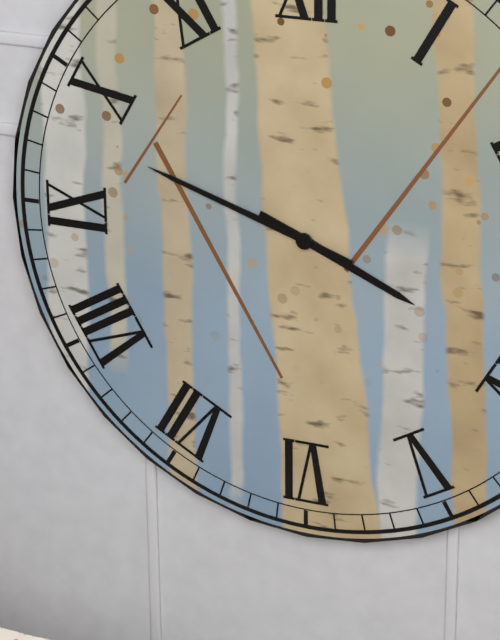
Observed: 3 h 48 min
